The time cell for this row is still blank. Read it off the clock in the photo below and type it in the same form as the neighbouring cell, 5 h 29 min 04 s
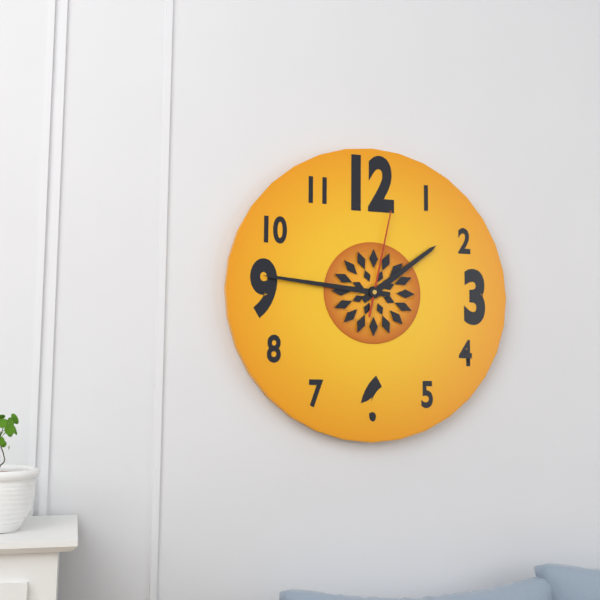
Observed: 1 h 46 min 02 s
